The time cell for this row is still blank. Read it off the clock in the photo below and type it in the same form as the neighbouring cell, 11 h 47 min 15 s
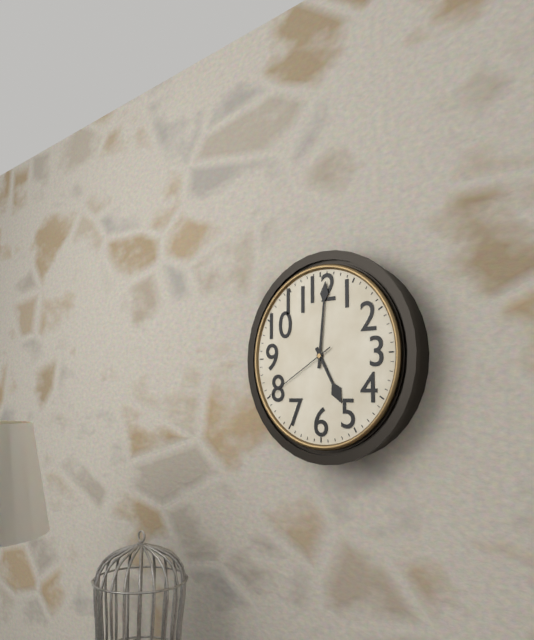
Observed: 5 h 01 min 40 s
